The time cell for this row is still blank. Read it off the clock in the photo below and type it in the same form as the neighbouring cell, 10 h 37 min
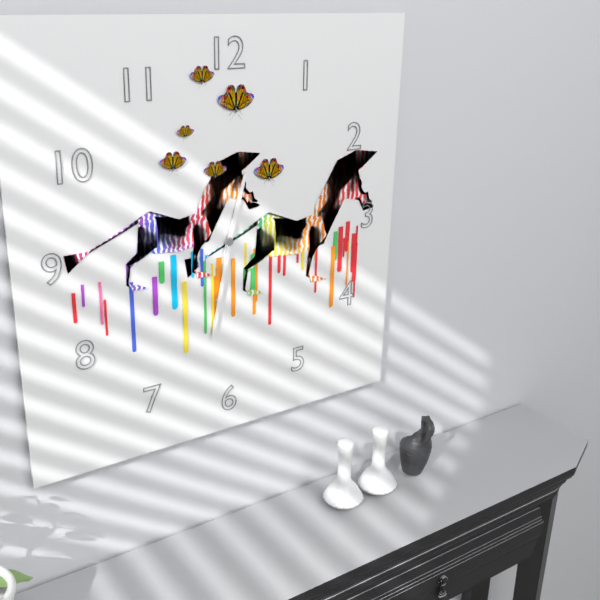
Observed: 12 h 32 min
